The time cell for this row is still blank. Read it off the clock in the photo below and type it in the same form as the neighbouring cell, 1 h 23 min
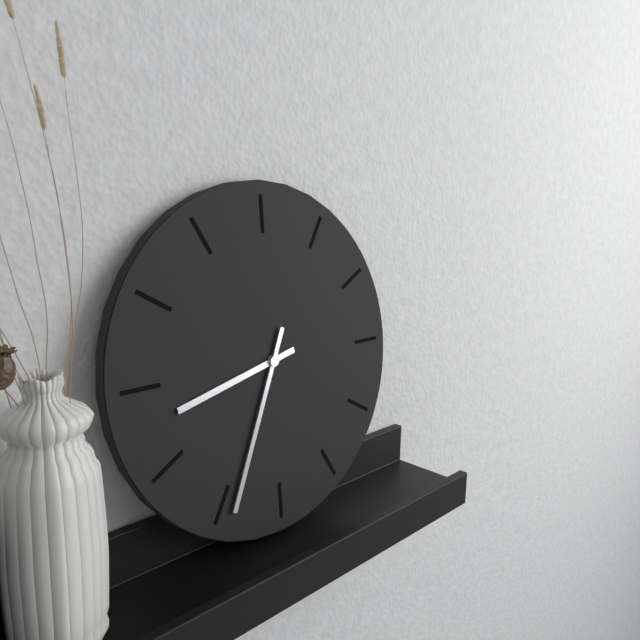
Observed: 8 h 34 min
